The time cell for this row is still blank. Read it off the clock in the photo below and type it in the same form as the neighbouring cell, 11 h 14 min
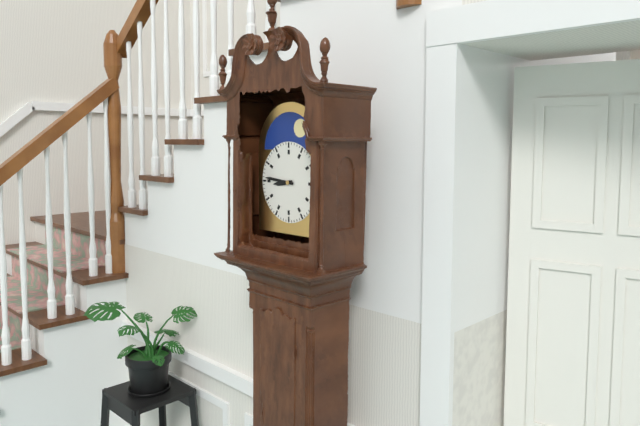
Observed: 8 h 46 min
